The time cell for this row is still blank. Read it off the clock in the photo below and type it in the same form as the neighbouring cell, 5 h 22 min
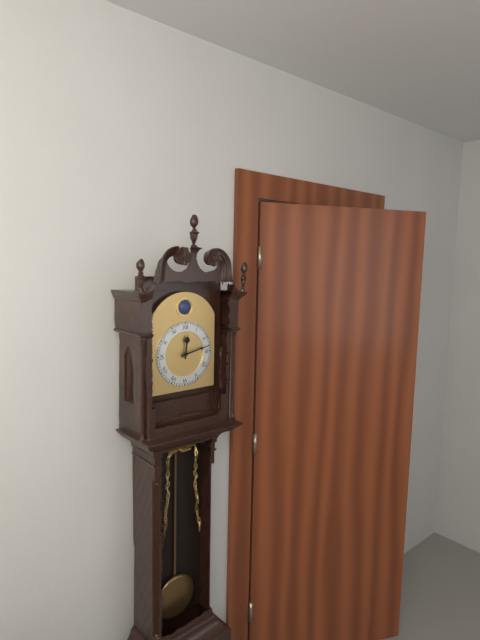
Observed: 12 h 13 min
